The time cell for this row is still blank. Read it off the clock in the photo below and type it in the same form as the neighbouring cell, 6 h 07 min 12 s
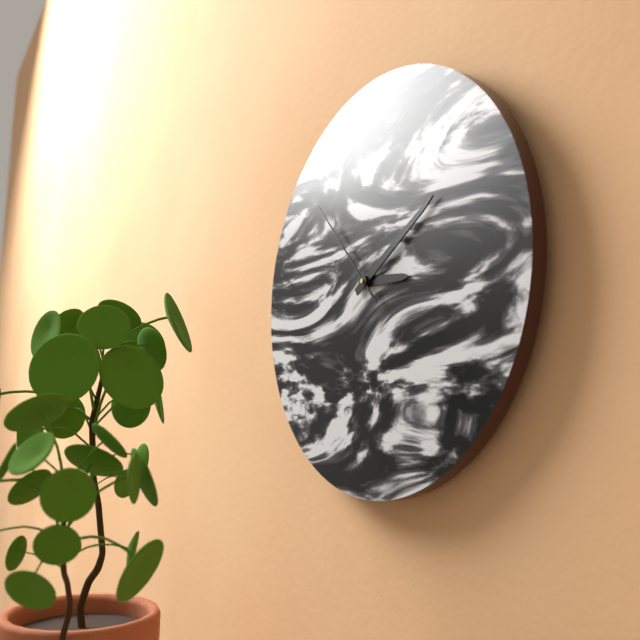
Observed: 3 h 10 min 53 s
